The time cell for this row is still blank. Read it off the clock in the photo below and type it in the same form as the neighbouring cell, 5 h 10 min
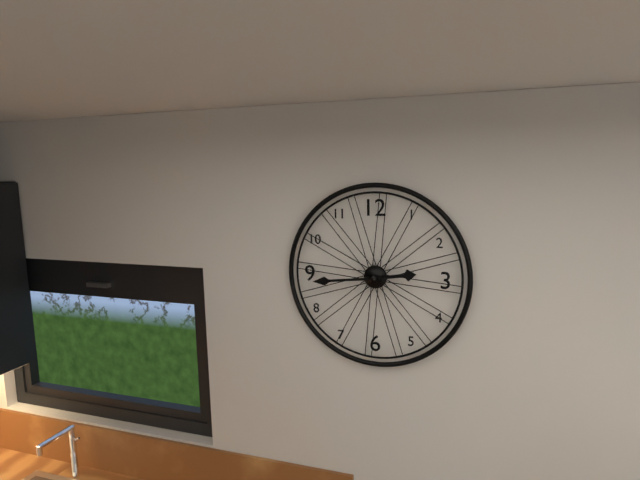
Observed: 2 h 44 min
